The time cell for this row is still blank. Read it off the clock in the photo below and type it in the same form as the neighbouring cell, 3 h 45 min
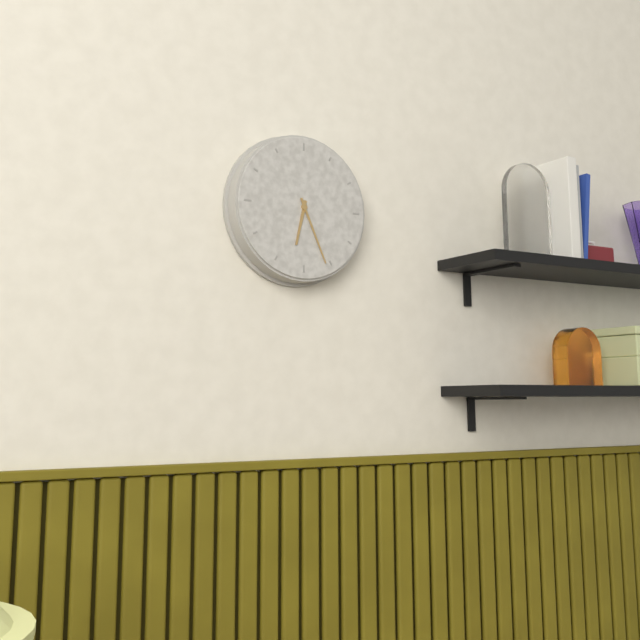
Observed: 6 h 26 min
